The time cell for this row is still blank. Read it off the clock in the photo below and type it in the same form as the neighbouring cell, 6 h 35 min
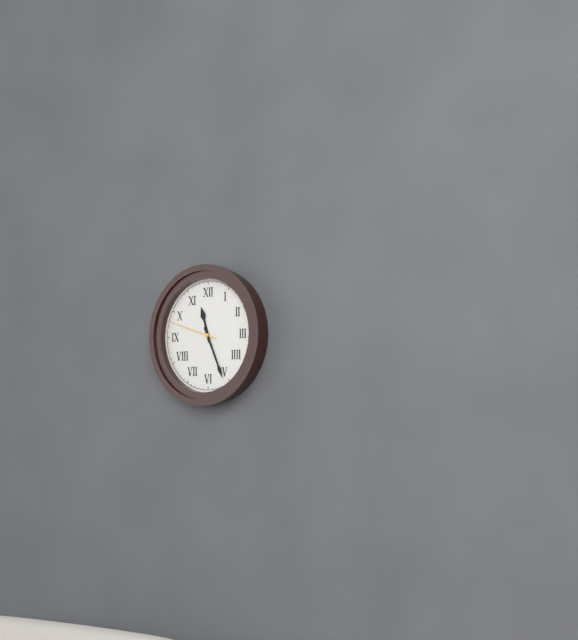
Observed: 11 h 26 min
